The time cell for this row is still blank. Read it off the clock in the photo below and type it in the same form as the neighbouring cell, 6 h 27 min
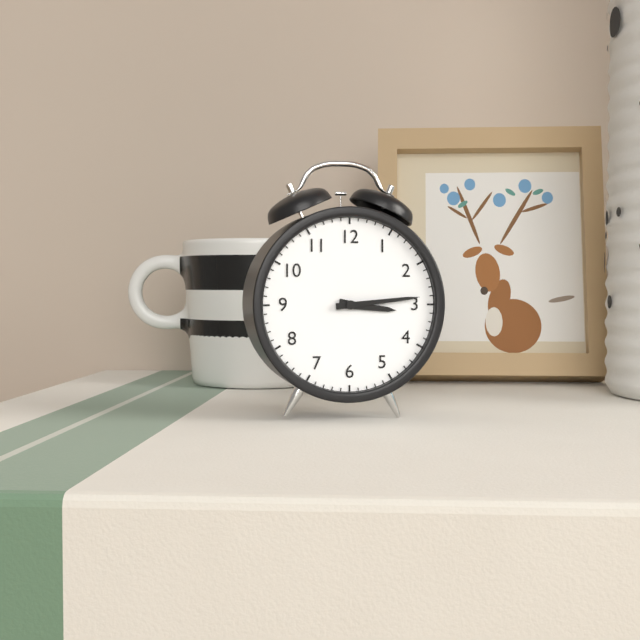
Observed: 3 h 14 min
